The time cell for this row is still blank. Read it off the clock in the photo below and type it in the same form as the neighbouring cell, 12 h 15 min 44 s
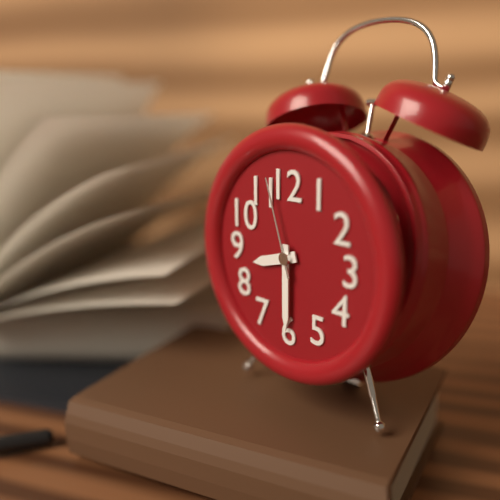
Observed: 8 h 30 min 57 s
